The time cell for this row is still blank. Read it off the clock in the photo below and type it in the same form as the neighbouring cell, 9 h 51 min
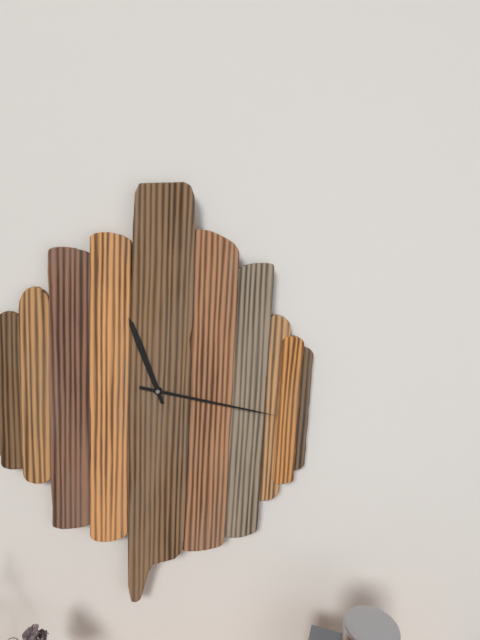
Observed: 11 h 17 min
